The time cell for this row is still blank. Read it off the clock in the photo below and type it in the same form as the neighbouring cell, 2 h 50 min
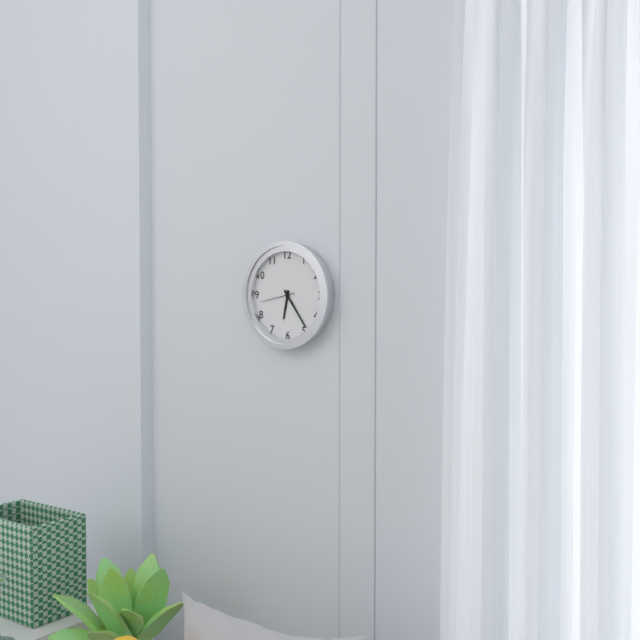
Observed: 6 h 24 min
